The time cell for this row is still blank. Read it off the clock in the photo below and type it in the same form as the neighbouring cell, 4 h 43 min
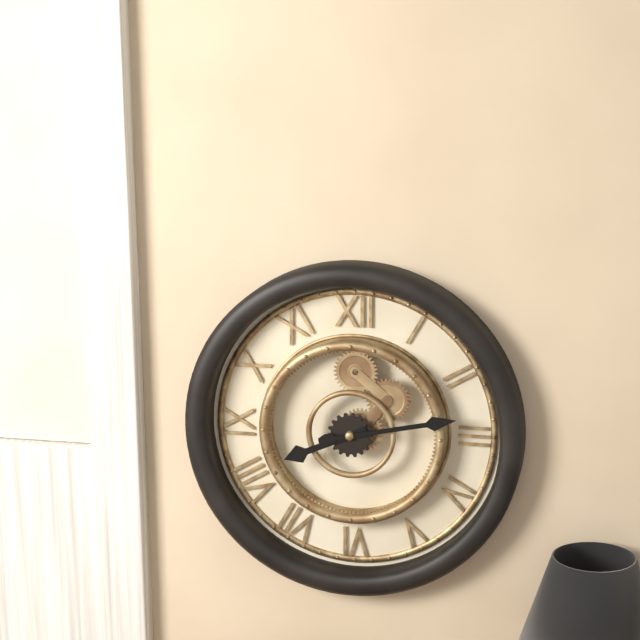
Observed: 8 h 13 min
